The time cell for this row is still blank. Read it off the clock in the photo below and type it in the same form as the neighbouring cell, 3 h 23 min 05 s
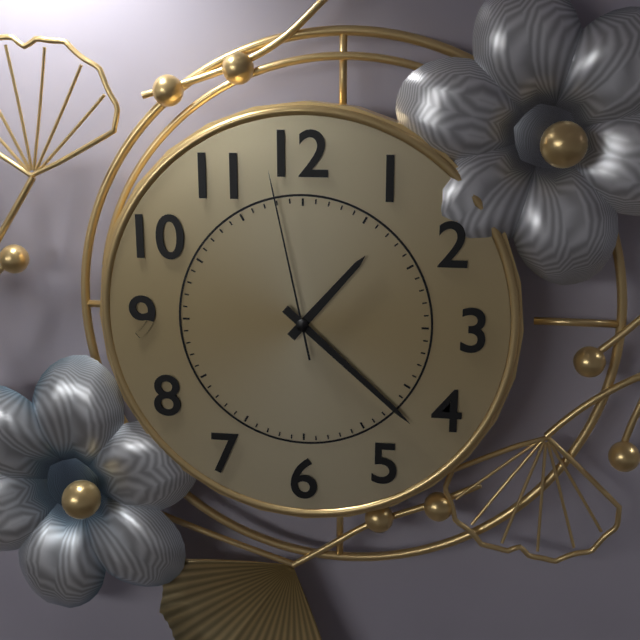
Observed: 1 h 22 min 58 s
